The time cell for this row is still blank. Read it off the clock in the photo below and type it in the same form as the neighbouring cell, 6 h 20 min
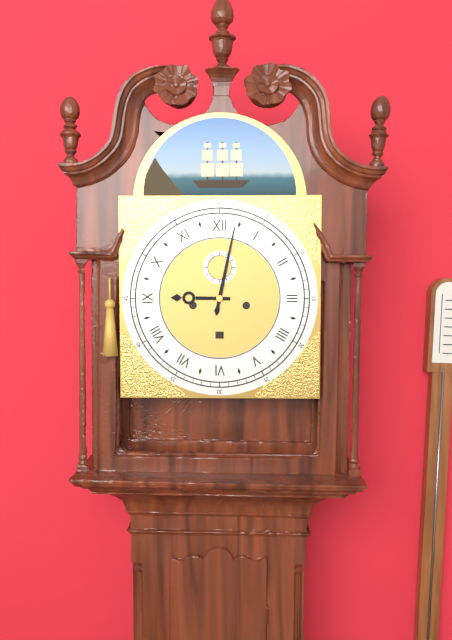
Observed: 9 h 02 min
